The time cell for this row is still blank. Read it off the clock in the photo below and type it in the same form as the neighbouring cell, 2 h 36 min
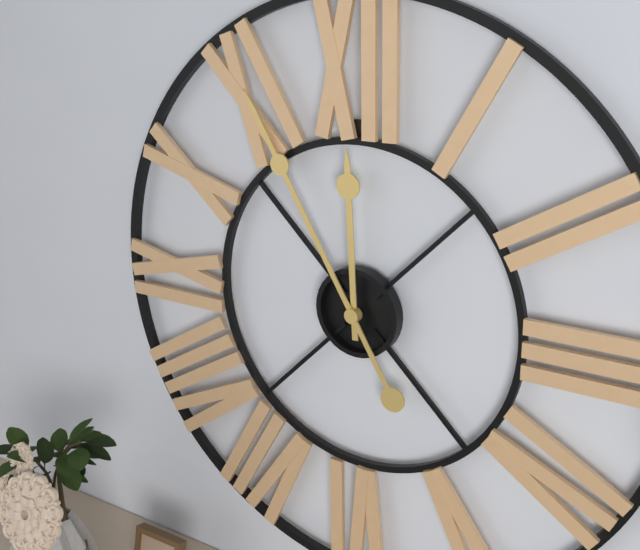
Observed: 11 h 55 min
